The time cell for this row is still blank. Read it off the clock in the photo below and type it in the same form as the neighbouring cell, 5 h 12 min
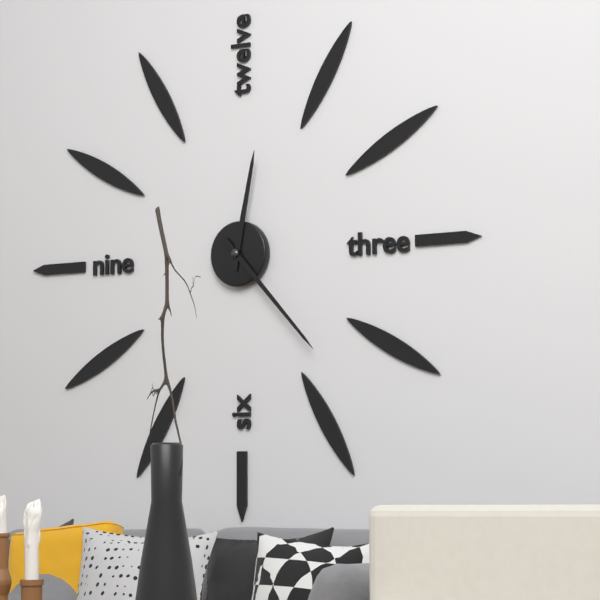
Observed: 12 h 23 min
